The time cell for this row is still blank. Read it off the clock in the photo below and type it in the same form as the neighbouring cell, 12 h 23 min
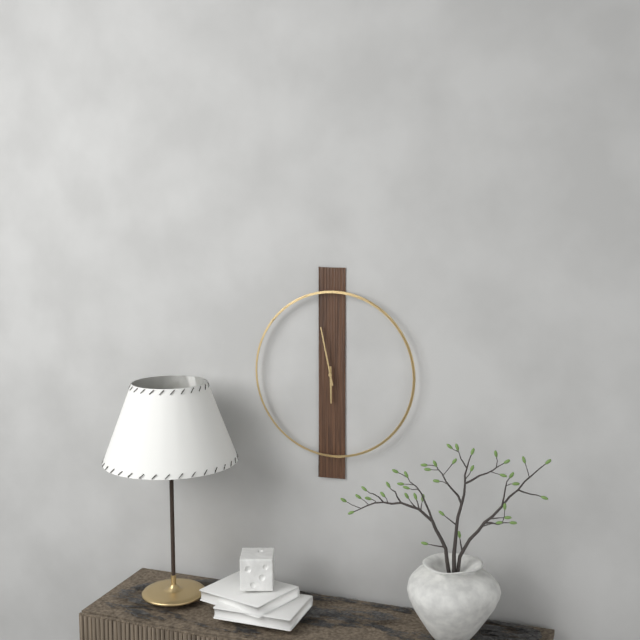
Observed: 5 h 58 min
